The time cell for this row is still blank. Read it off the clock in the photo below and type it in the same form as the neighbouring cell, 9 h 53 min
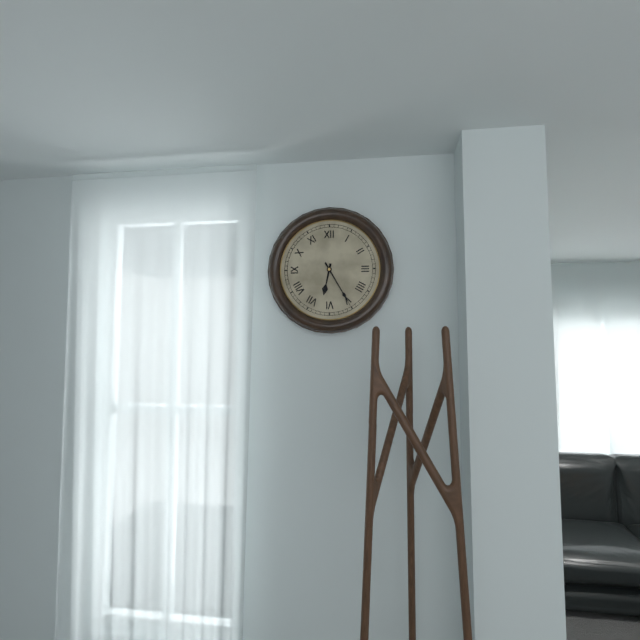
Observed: 6 h 25 min
